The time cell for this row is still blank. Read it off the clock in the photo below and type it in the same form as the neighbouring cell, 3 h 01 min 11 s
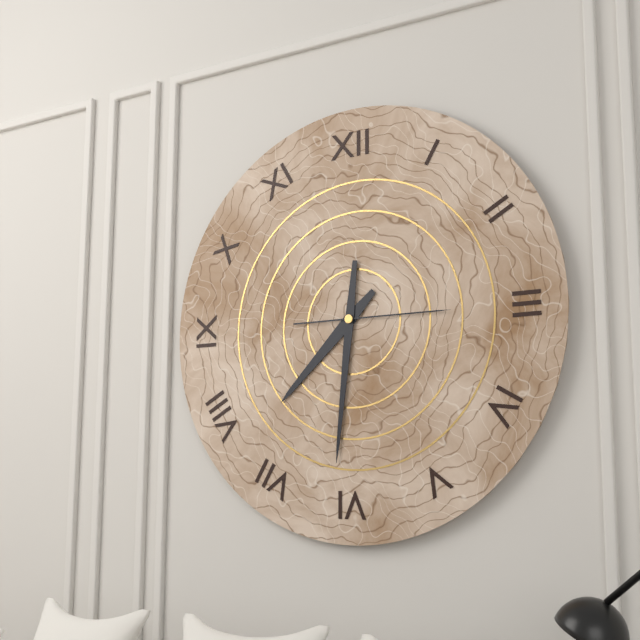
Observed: 7 h 31 min 15 s
